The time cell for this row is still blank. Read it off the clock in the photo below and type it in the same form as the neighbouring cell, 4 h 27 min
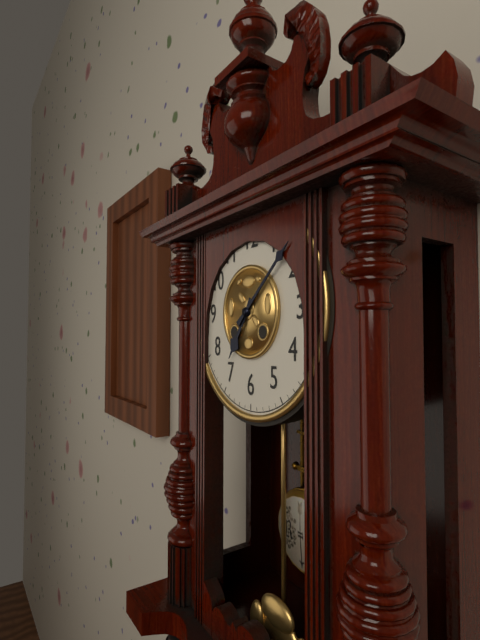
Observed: 7 h 08 min
